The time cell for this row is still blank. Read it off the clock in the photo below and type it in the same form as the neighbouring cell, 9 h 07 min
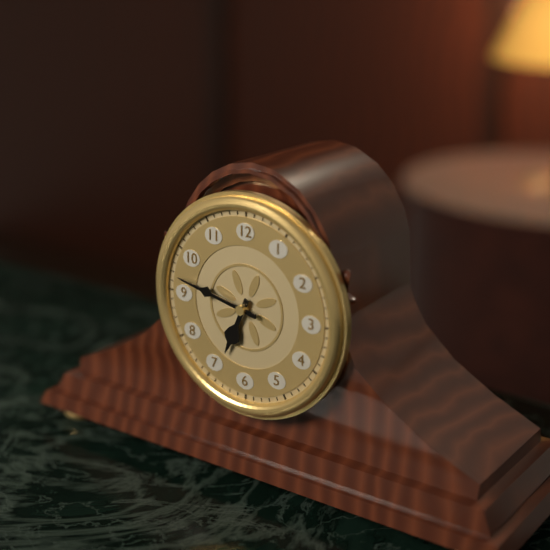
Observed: 6 h 47 min
